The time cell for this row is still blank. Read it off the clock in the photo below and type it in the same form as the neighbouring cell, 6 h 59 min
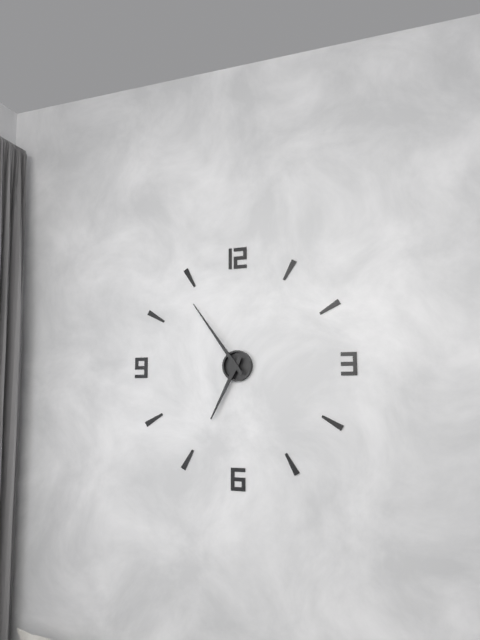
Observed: 6 h 54 min
